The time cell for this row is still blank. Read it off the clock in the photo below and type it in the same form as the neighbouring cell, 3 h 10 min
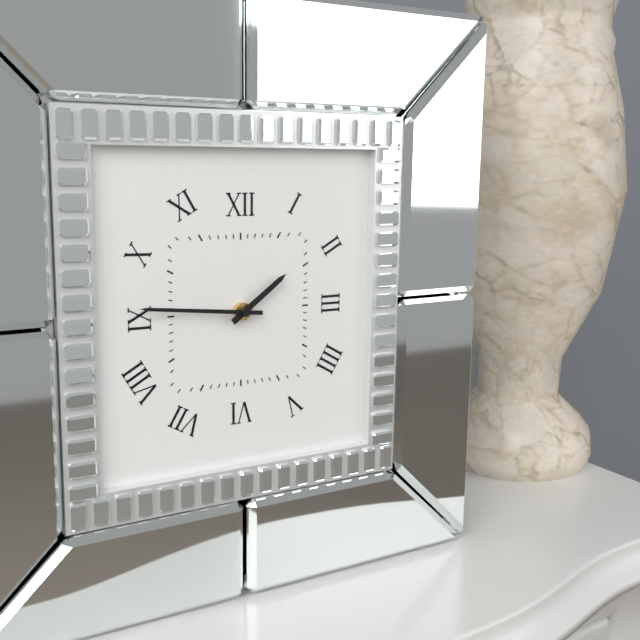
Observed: 1 h 46 min
